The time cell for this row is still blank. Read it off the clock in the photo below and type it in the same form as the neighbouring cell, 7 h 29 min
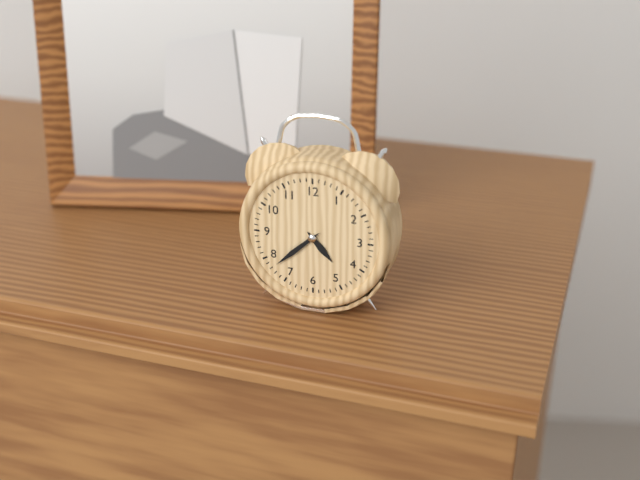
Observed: 4 h 38 min
